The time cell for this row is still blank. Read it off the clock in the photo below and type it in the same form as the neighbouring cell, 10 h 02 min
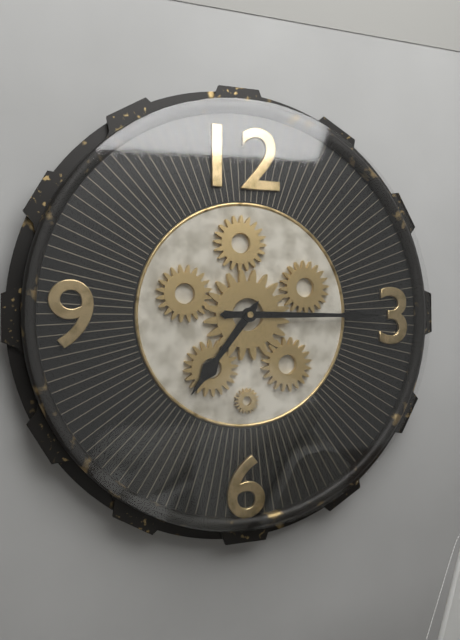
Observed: 7 h 15 min
